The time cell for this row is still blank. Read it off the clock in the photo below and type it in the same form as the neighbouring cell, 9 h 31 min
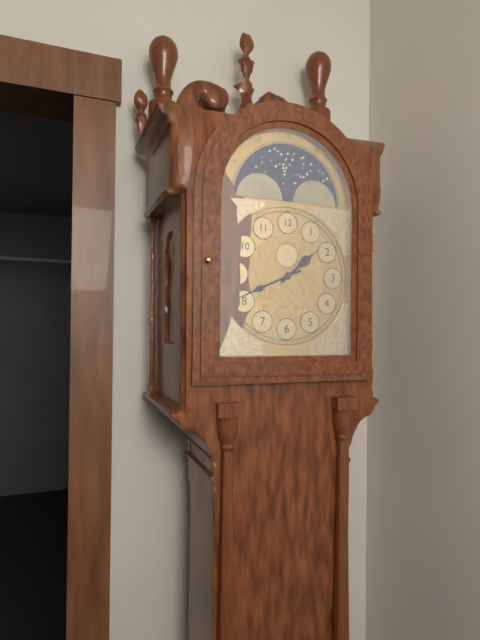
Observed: 1 h 41 min
